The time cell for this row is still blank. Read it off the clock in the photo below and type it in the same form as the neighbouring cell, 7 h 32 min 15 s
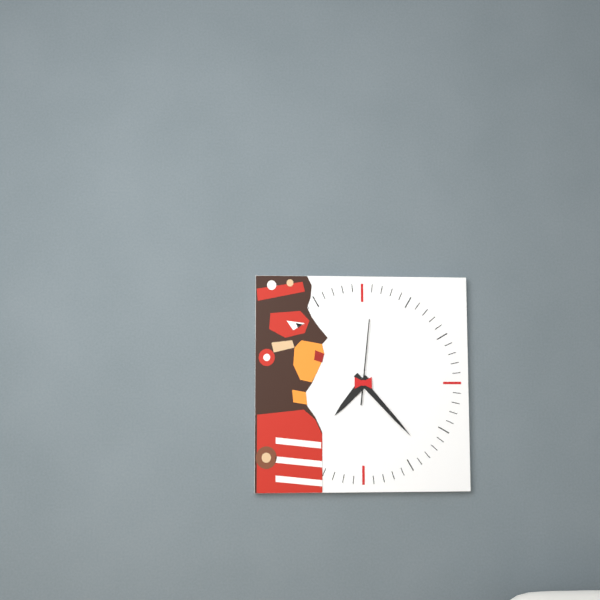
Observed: 7 h 23 min 01 s
